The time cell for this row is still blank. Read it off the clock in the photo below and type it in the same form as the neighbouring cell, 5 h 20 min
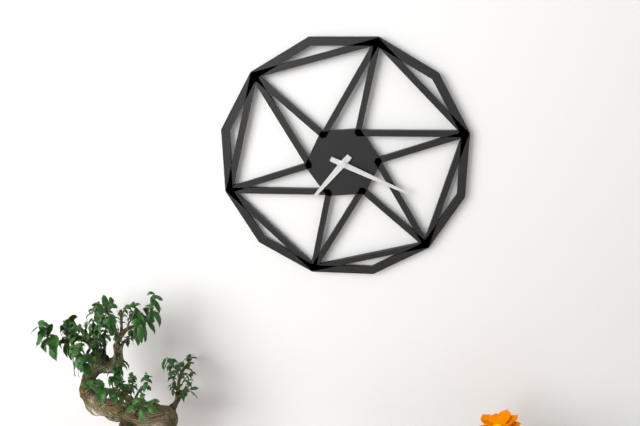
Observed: 7 h 19 min
